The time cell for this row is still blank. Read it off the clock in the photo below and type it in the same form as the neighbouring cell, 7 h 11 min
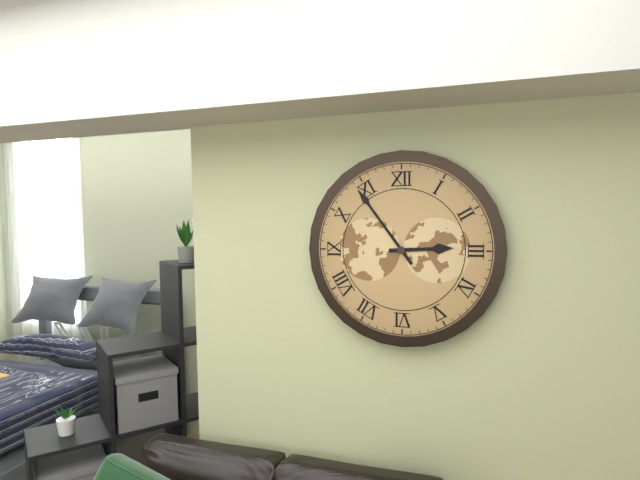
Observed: 2 h 54 min
